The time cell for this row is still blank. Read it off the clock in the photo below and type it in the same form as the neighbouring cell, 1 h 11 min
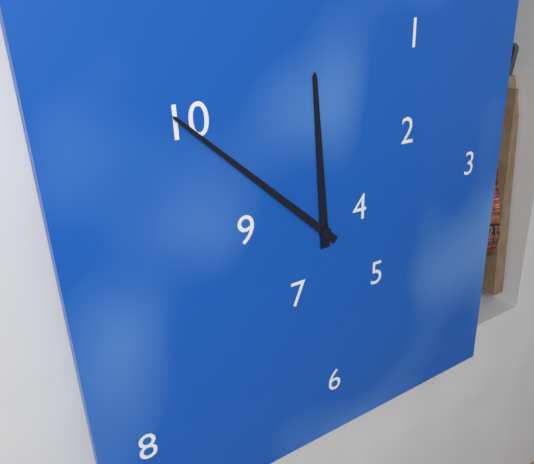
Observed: 11 h 52 min
